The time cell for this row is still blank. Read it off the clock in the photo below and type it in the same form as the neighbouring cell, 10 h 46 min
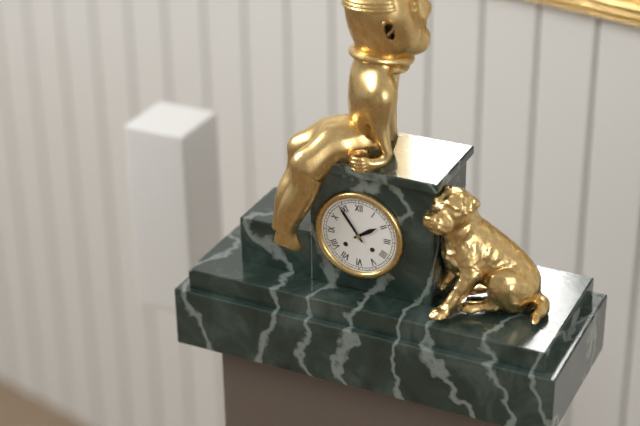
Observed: 1 h 54 min
